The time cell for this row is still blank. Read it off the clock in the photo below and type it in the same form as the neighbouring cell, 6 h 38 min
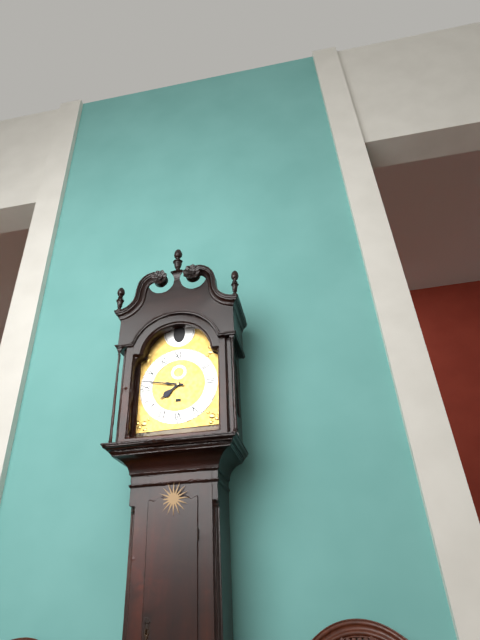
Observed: 7 h 47 min
